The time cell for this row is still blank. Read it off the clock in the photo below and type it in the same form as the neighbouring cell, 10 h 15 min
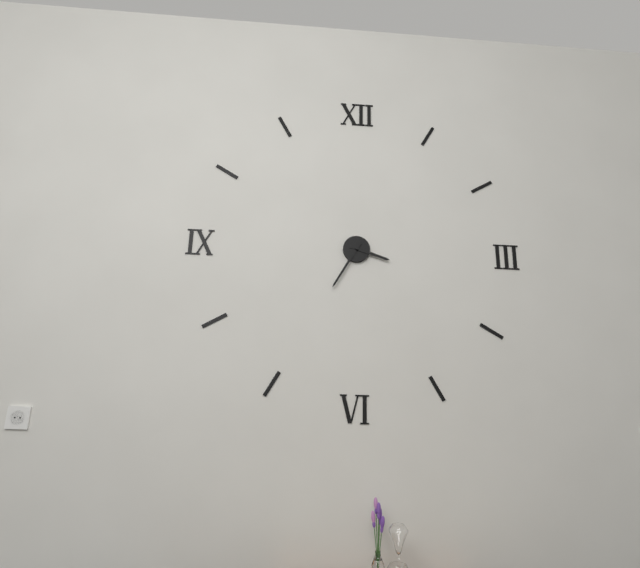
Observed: 3 h 35 min
